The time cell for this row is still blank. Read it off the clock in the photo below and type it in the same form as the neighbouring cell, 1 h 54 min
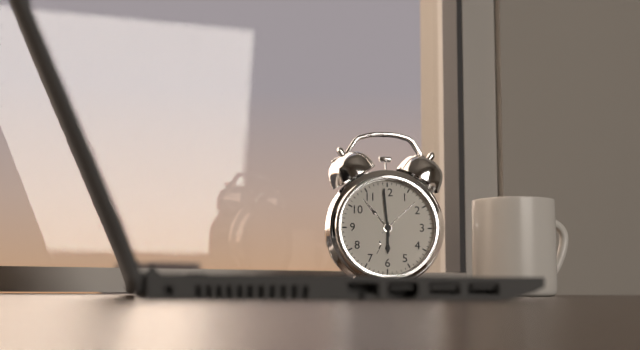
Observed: 5 h 59 min
